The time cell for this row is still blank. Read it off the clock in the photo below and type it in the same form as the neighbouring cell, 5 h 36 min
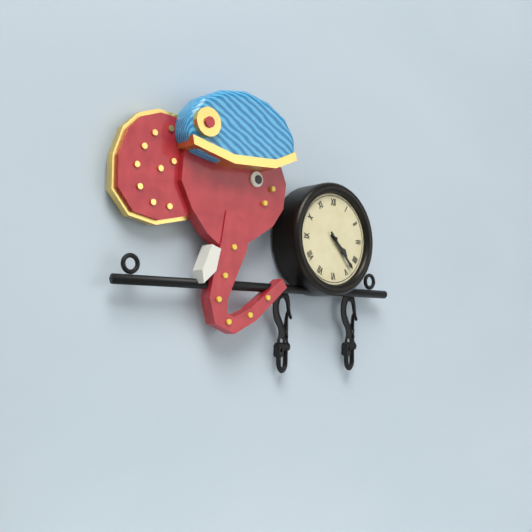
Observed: 4 h 23 min
